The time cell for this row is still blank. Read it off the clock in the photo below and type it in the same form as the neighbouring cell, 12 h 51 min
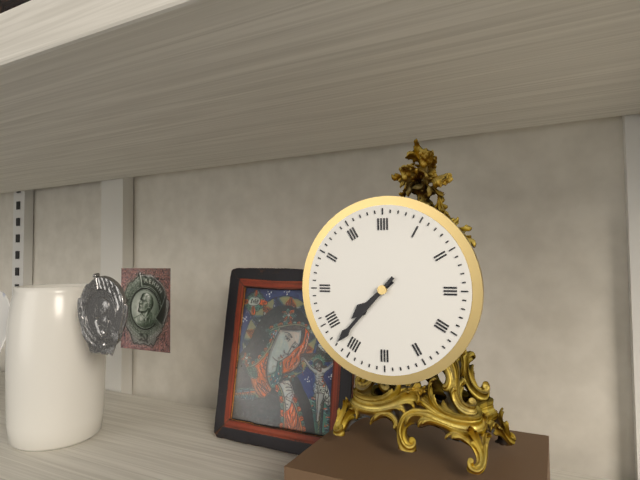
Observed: 7 h 37 min
